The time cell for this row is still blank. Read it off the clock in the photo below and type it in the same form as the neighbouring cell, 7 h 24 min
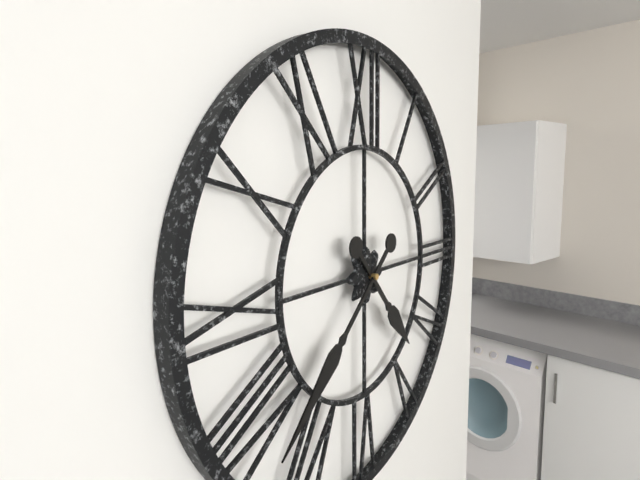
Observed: 4 h 38 min
